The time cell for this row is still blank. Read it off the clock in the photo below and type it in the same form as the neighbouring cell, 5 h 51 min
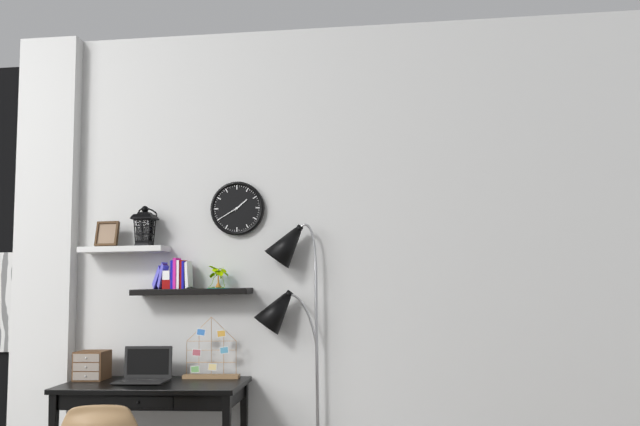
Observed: 1 h 40 min
